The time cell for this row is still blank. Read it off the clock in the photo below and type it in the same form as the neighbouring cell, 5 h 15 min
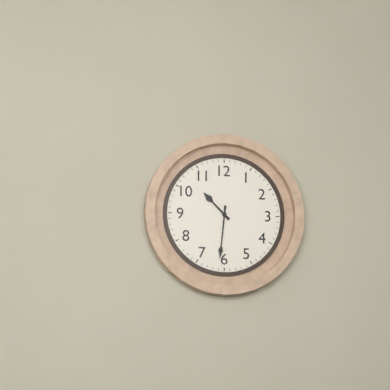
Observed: 10 h 31 min
